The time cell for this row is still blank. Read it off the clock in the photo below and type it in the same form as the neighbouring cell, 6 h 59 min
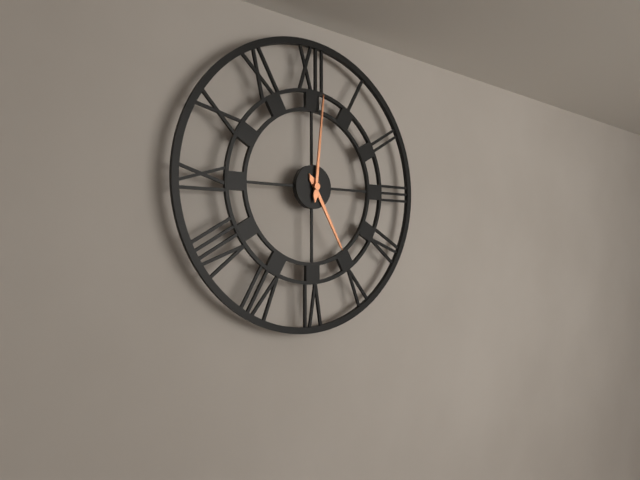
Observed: 5 h 01 min
